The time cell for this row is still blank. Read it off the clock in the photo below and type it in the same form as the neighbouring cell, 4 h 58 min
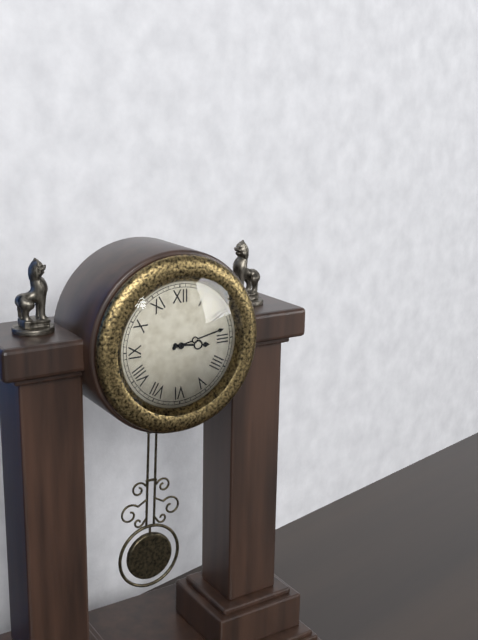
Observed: 3 h 13 min
